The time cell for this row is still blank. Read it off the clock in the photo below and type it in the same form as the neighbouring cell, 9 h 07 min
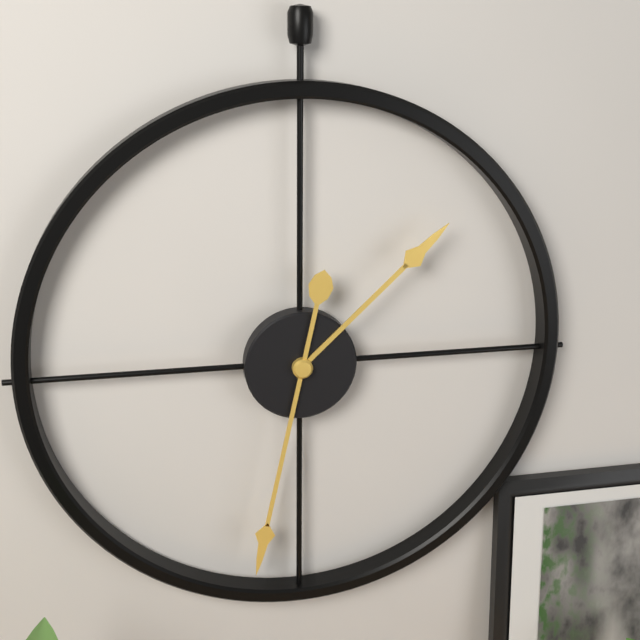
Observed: 1 h 32 min
